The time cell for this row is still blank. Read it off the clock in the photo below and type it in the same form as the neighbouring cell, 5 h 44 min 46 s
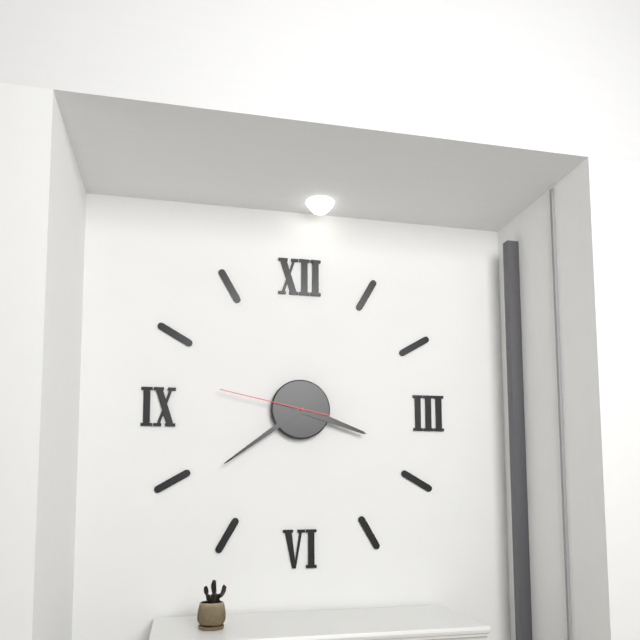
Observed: 3 h 39 min 47 s
